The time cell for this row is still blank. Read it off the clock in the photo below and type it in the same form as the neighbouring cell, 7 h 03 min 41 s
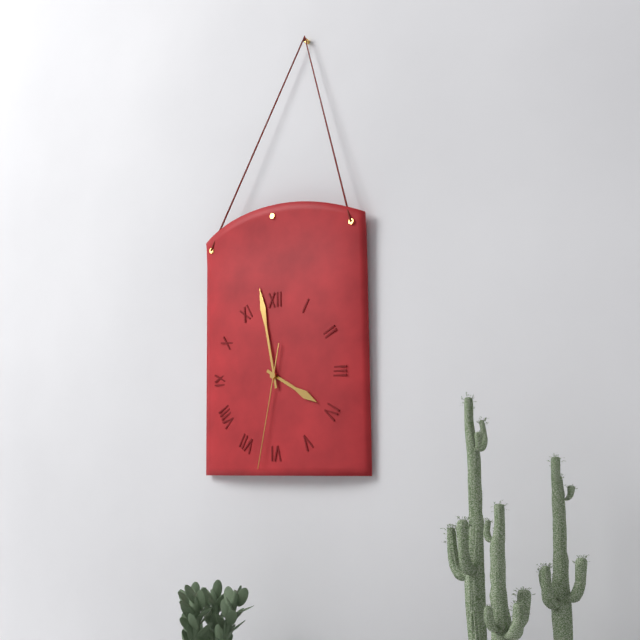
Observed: 3 h 58 min 32 s
